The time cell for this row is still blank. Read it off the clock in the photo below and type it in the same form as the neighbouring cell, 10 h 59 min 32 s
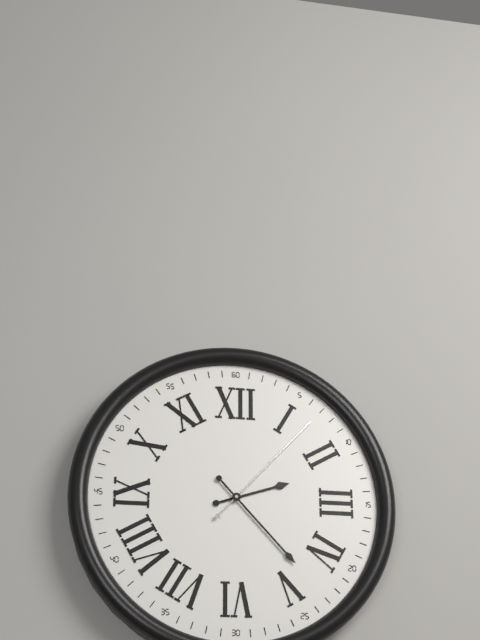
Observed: 2 h 23 min 07 s
